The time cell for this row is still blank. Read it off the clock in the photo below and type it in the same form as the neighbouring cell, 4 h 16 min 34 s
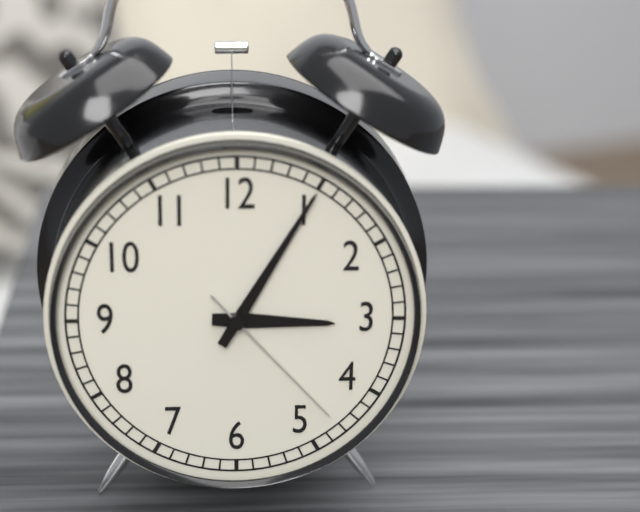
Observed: 3 h 05 min 23 s
